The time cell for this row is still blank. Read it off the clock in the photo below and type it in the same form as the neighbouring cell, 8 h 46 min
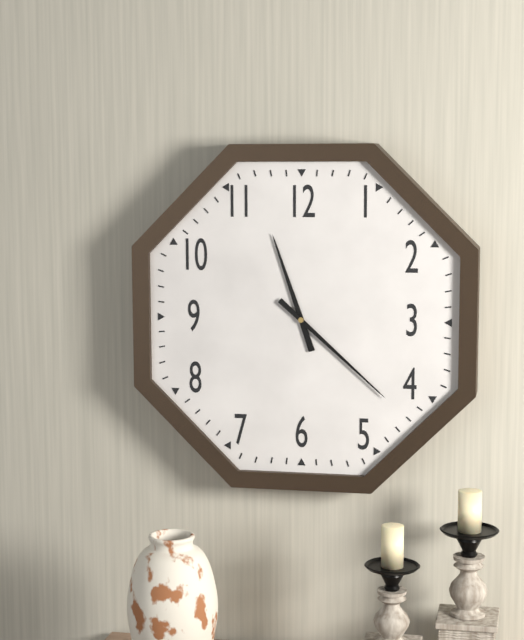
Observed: 11 h 22 min
